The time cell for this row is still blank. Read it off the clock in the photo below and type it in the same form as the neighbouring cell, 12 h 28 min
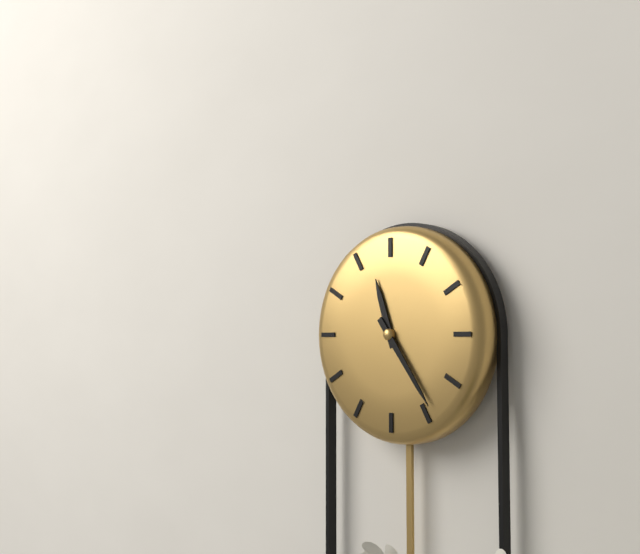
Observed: 11 h 24 min
